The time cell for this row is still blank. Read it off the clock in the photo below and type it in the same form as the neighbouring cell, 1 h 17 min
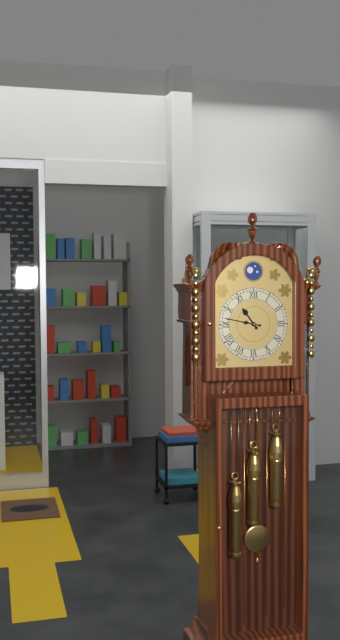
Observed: 10 h 47 min
